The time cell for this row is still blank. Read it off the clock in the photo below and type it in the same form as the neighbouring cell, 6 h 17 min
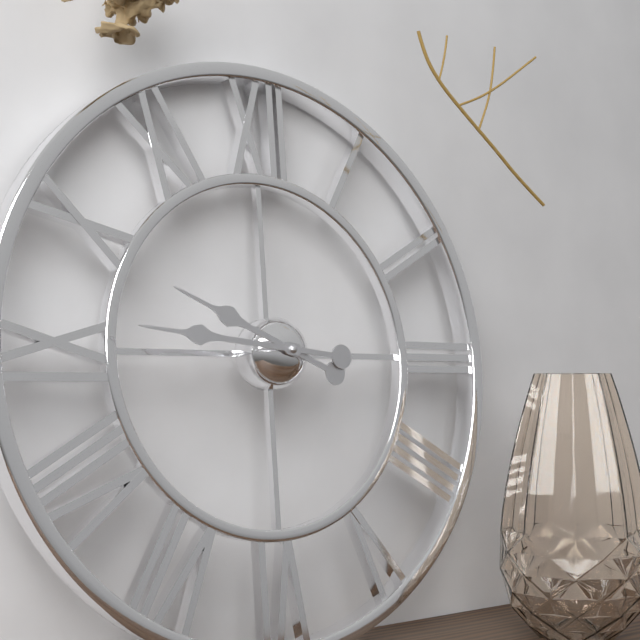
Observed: 9 h 46 min
